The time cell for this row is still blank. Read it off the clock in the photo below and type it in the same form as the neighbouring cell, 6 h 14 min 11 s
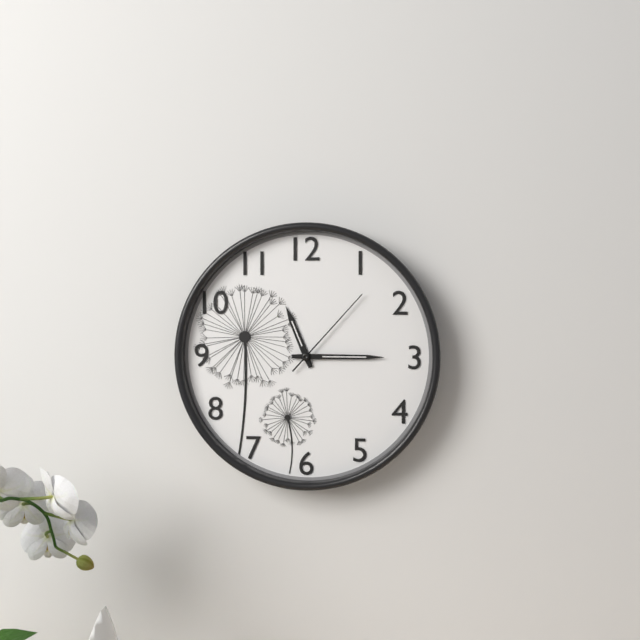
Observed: 11 h 15 min 07 s
